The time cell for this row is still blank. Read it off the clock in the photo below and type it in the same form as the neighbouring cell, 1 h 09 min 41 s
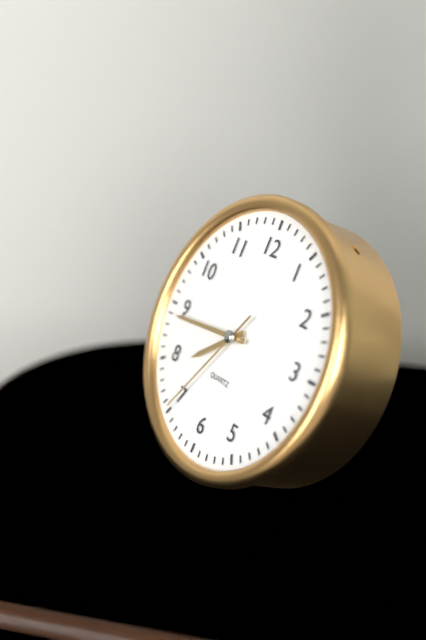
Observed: 7 h 44 min 35 s
